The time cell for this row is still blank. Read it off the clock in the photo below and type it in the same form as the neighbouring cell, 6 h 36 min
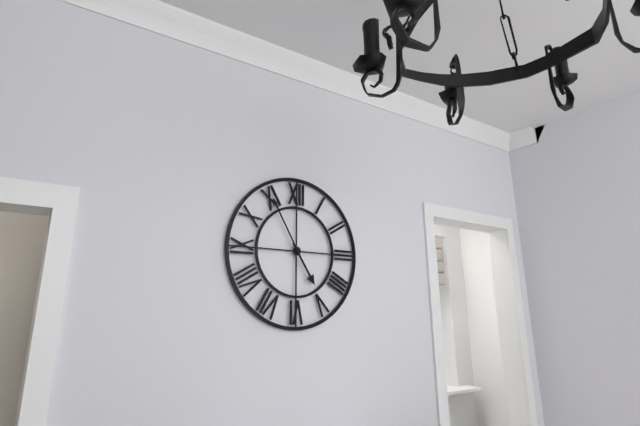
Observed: 4 h 55 min
